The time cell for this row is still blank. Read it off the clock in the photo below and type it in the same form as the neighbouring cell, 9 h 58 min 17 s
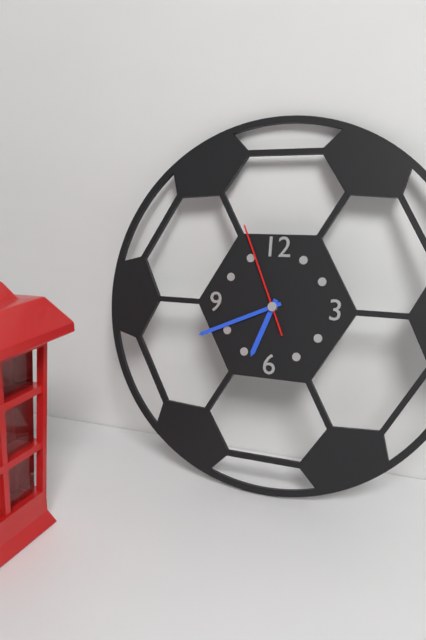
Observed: 6 h 41 min 56 s
